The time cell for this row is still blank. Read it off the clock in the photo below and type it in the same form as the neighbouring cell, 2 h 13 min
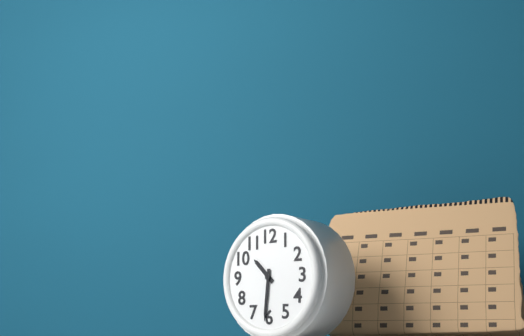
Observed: 10 h 31 min
